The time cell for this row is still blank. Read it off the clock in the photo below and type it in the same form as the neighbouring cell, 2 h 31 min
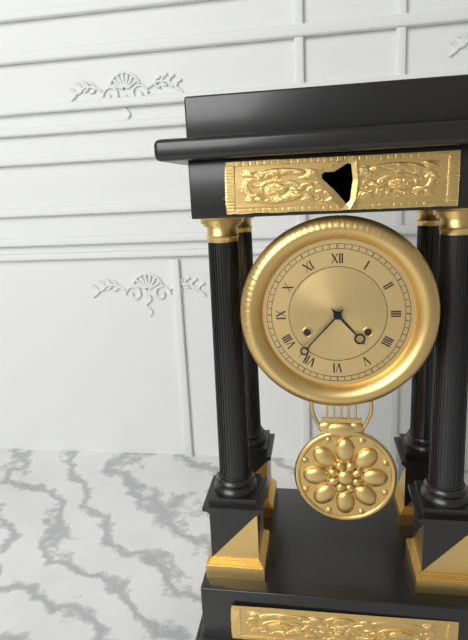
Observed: 4 h 37 min
